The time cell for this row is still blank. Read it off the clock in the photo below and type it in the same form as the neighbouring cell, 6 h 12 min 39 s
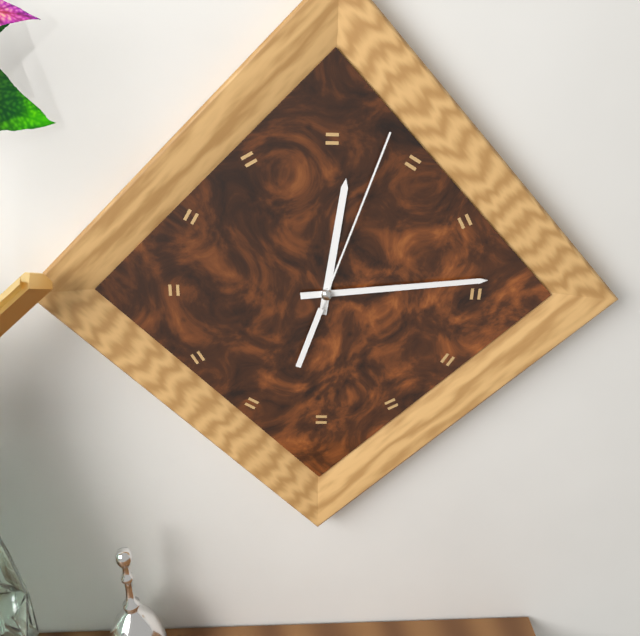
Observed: 12 h 14 min 03 s
